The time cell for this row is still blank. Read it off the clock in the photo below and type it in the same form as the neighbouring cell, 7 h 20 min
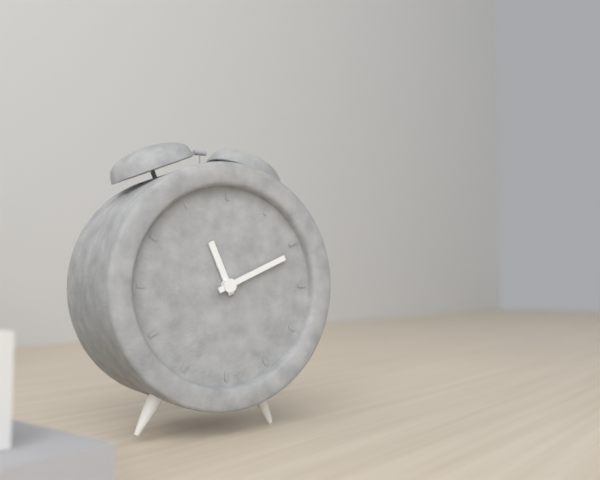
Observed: 11 h 11 min
